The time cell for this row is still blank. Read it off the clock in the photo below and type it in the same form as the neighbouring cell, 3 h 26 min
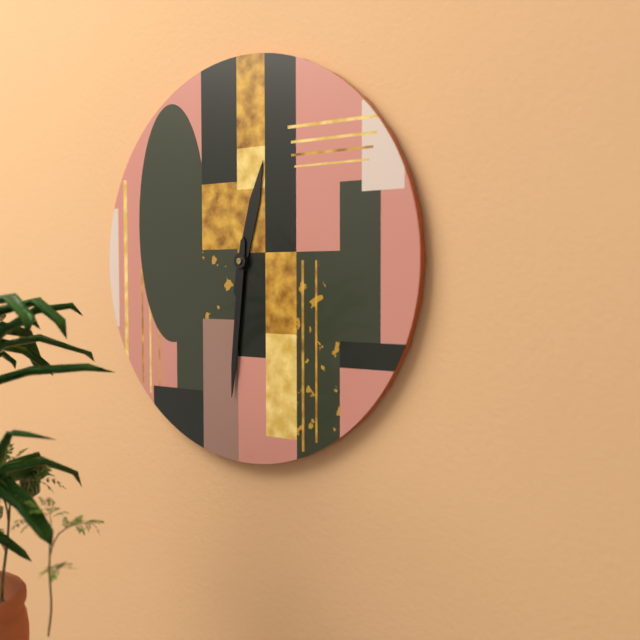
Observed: 12 h 31 min
